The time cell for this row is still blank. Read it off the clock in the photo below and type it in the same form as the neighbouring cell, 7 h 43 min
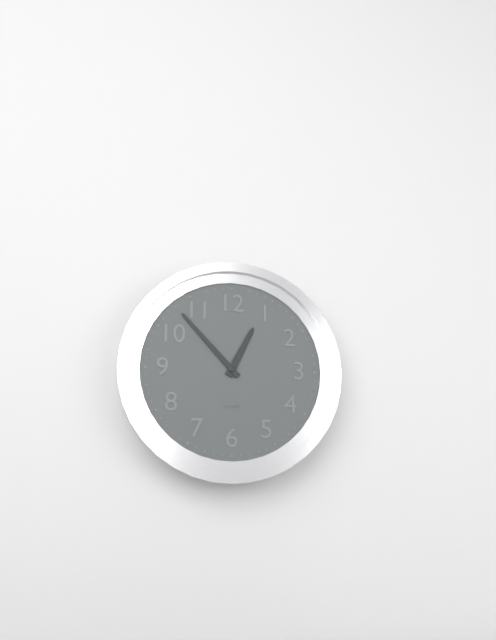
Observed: 12 h 53 min
